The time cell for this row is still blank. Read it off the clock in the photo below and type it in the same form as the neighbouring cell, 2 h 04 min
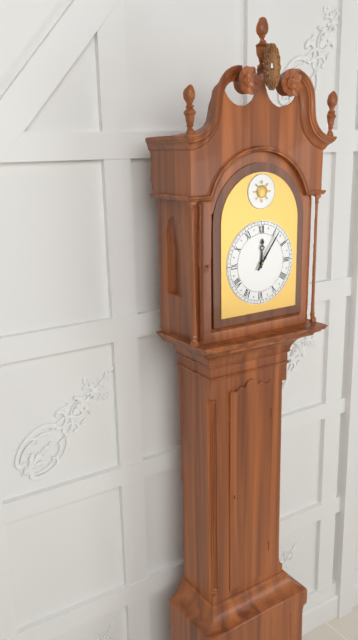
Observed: 12 h 06 min
